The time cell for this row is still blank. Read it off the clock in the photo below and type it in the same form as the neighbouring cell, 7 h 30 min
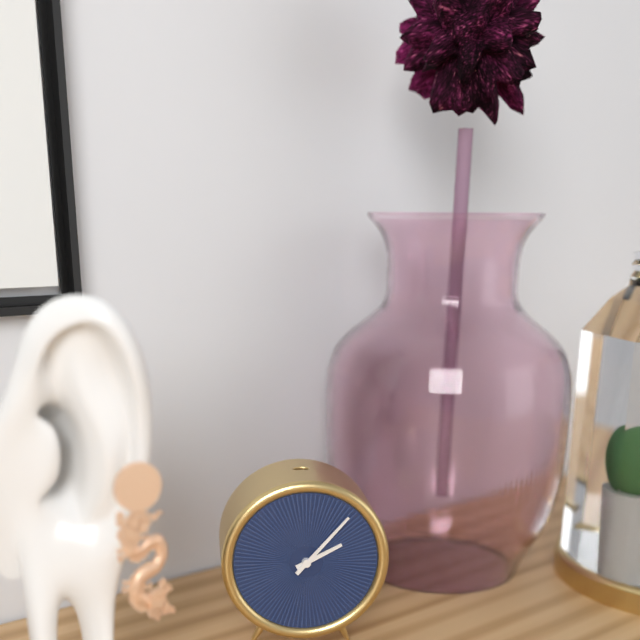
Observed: 2 h 07 min
